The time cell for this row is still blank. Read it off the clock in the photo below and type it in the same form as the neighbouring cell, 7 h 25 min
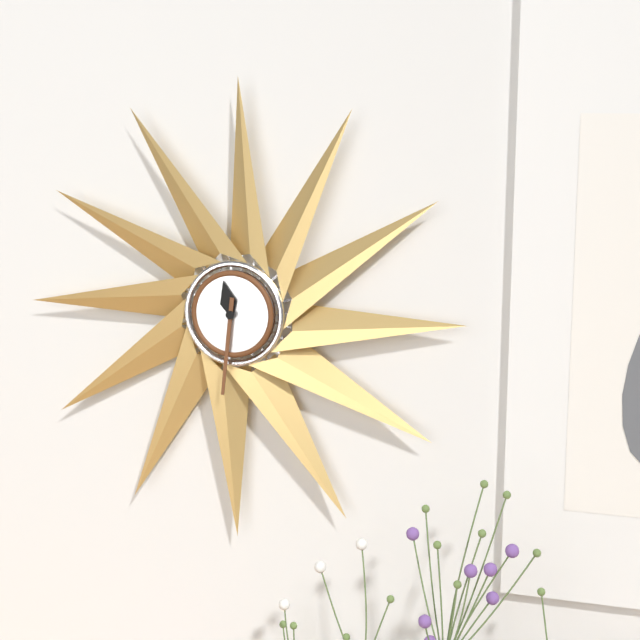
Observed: 11 h 31 min
